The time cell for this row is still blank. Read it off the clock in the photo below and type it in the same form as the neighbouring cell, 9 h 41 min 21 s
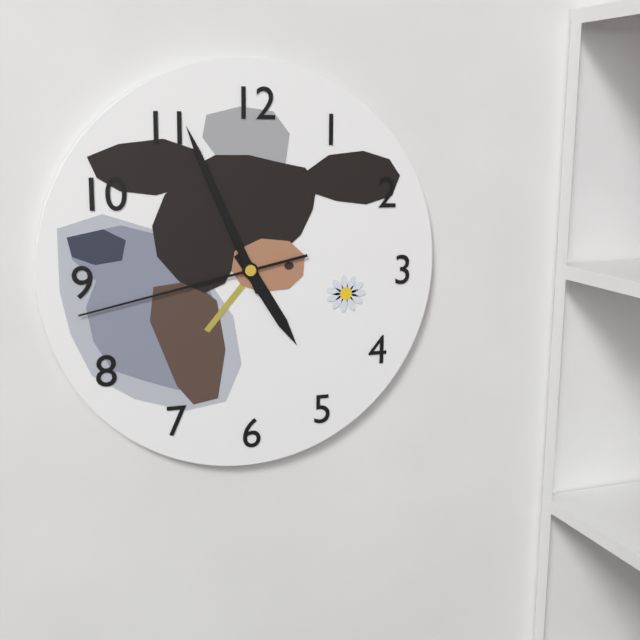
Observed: 4 h 56 min 43 s
